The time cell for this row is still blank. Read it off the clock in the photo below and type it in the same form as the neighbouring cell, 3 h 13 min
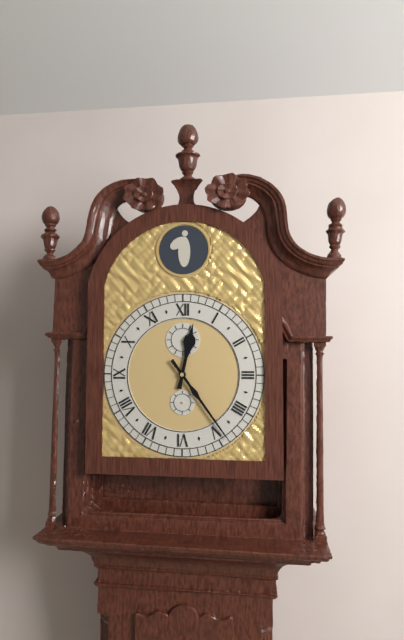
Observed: 12 h 24 min
